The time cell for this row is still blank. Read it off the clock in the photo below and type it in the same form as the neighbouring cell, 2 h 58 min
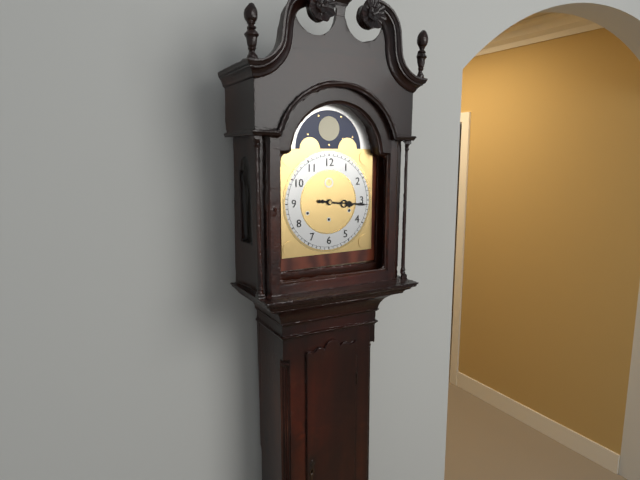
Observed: 3 h 16 min
